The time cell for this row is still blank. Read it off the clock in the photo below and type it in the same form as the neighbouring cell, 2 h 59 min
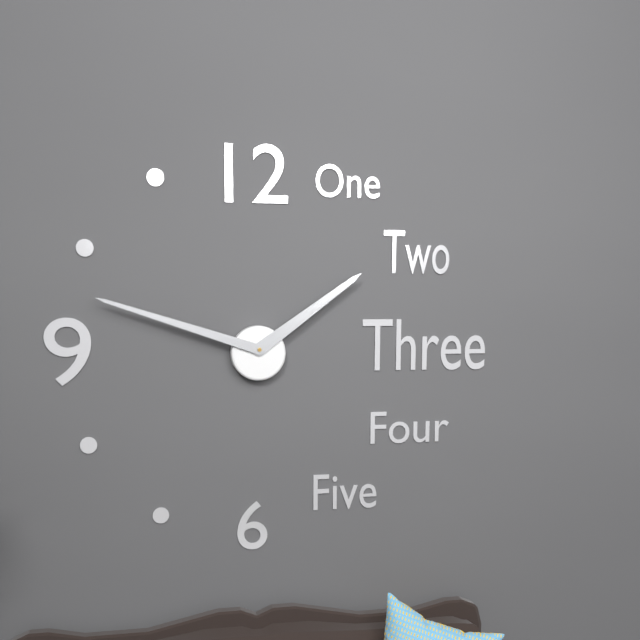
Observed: 1 h 48 min
